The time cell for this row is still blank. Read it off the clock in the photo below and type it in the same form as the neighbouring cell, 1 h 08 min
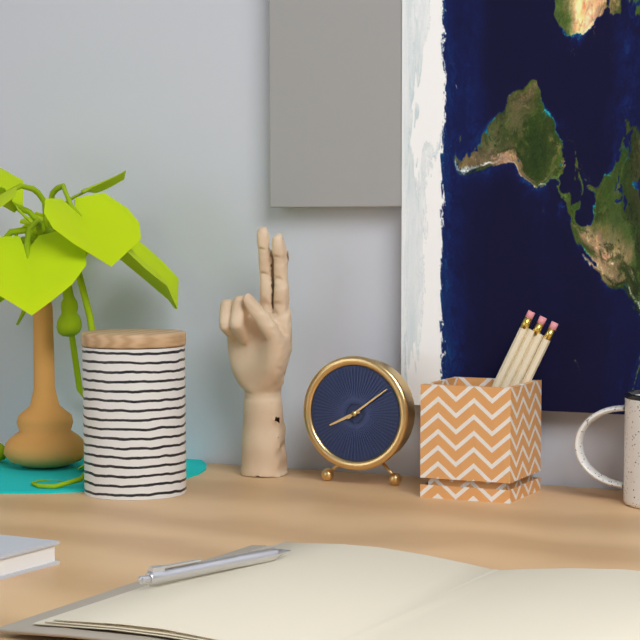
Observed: 8 h 09 min
